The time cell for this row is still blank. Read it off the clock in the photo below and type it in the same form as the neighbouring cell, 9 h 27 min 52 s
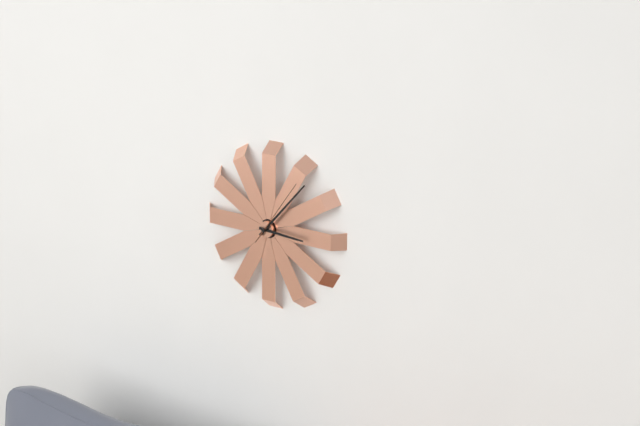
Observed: 3 h 07 min 06 s
